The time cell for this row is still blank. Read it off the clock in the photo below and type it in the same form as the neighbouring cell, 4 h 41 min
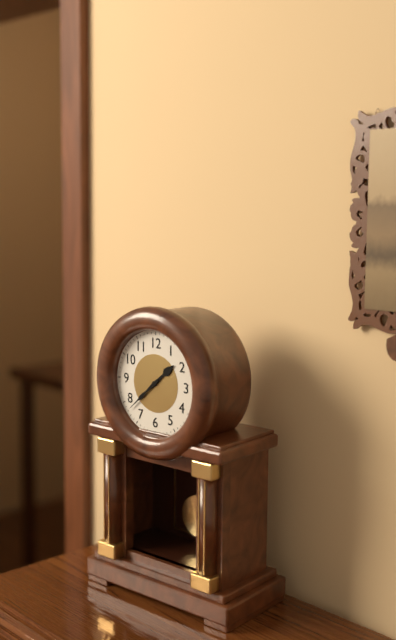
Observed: 1 h 38 min
